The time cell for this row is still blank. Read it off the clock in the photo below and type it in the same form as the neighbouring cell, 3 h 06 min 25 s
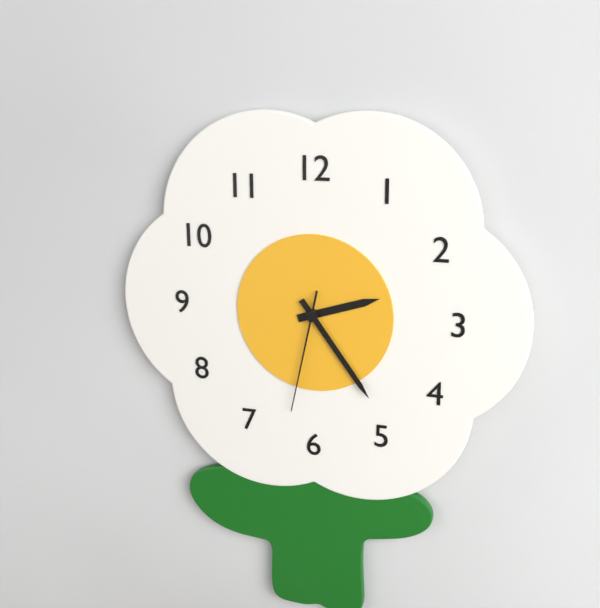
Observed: 2 h 24 min 32 s
